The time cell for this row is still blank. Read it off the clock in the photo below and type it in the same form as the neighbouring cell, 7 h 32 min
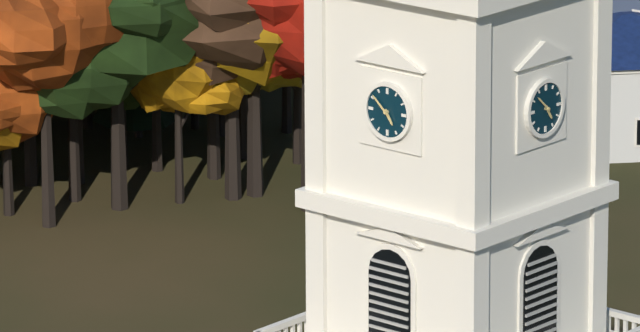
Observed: 4 h 52 min
